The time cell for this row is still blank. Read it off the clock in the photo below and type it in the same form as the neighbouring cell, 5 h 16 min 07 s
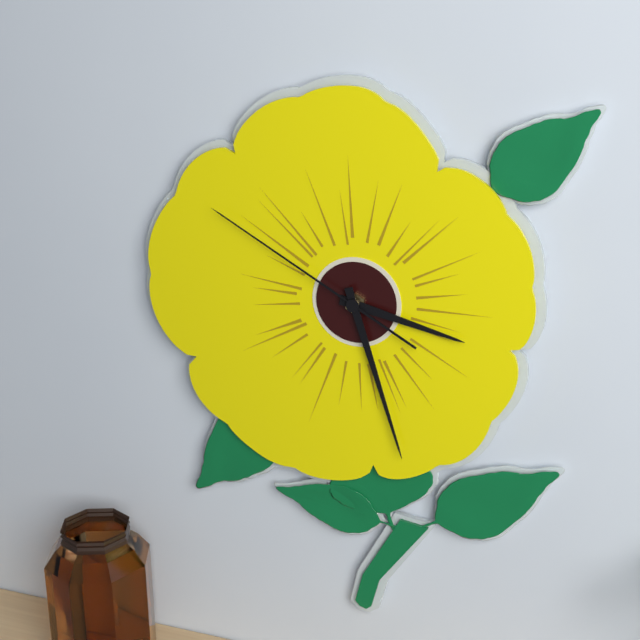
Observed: 3 h 27 min 50 s
